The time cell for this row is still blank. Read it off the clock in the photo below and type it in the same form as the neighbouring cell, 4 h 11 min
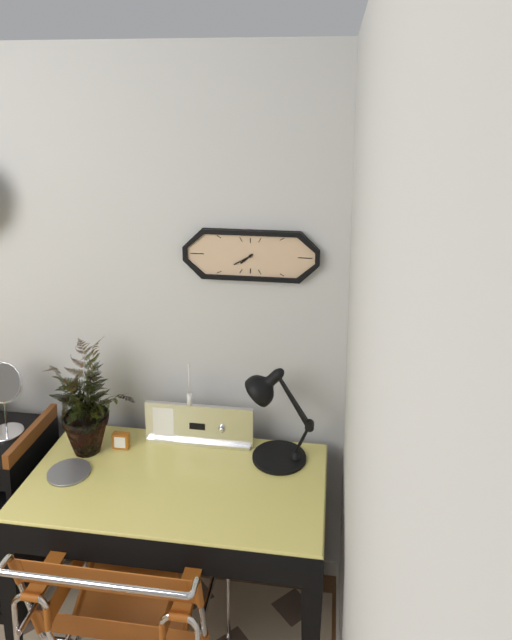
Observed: 7 h 40 min
